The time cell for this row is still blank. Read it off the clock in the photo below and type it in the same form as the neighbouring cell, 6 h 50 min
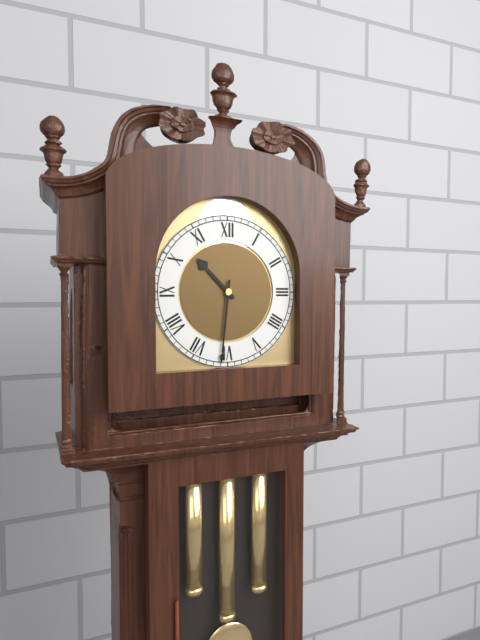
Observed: 10 h 31 min
